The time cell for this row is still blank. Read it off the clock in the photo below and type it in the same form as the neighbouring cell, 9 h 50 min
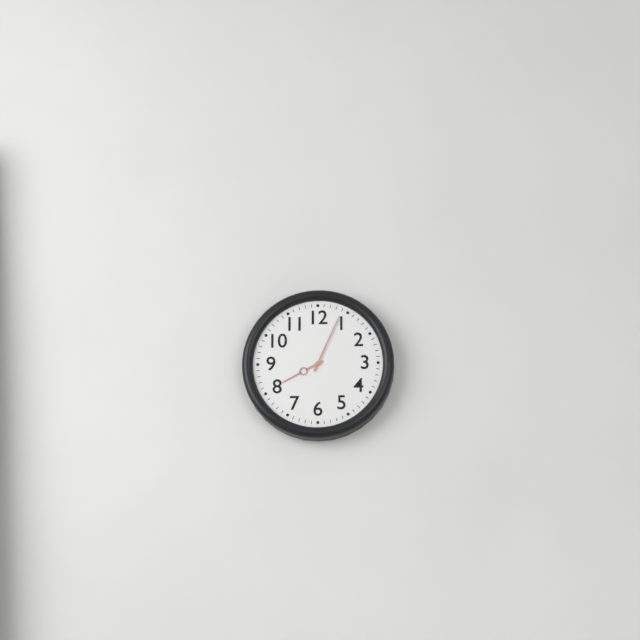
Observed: 8 h 04 min
